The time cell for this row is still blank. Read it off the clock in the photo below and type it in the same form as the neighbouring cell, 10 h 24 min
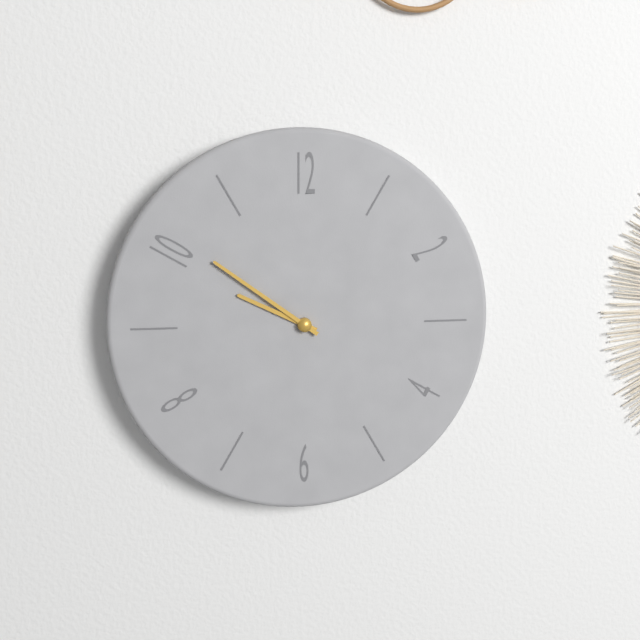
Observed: 9 h 51 min
